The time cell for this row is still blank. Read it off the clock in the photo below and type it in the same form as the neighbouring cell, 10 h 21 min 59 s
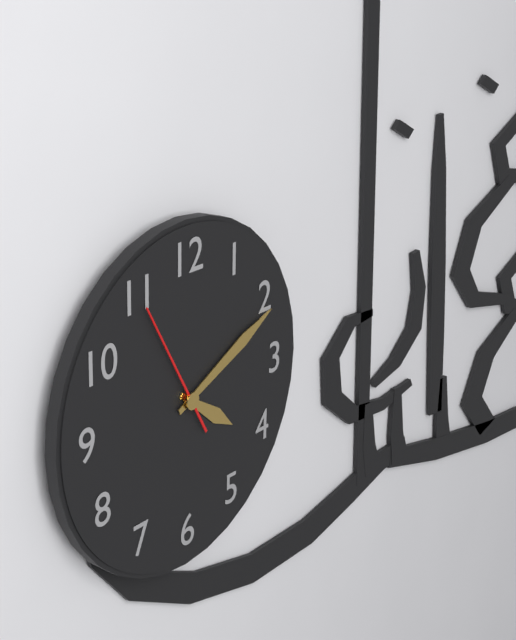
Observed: 4 h 11 min 55 s
